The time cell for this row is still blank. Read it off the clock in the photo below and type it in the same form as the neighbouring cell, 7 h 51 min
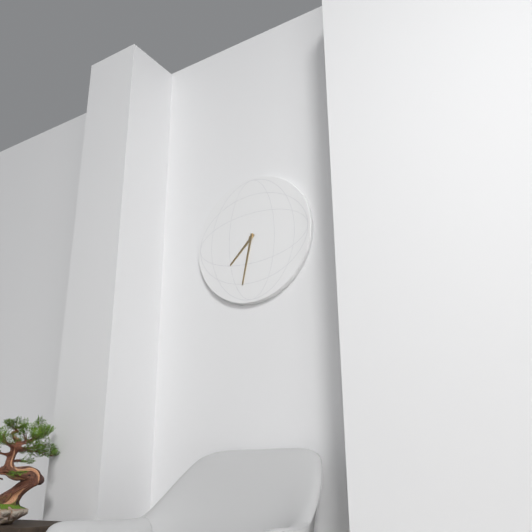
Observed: 7 h 32 min
